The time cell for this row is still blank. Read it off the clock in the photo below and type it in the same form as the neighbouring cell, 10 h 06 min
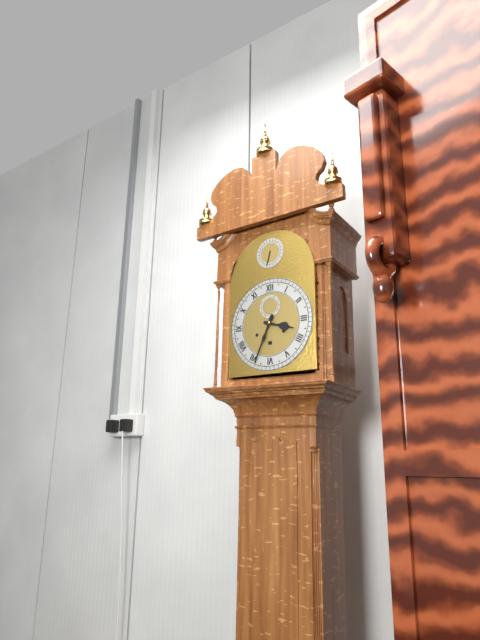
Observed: 3 h 34 min
